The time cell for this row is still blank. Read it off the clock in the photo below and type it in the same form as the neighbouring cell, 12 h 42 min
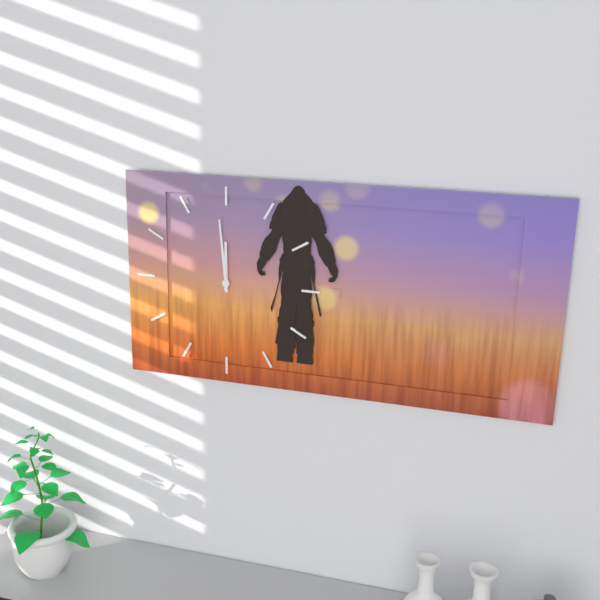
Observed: 11 h 59 min
